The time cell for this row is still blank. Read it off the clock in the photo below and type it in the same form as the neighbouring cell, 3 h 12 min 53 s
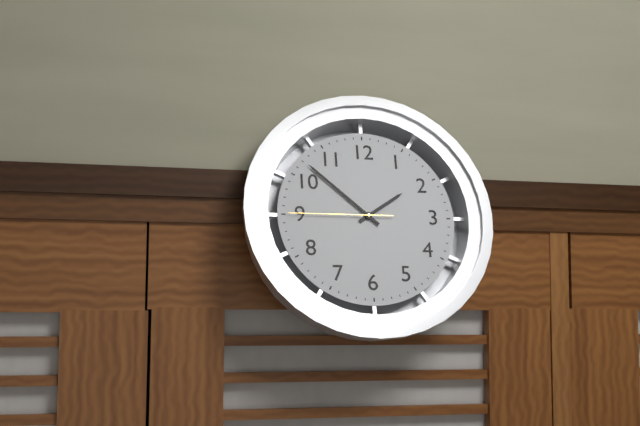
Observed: 1 h 52 min 45 s
